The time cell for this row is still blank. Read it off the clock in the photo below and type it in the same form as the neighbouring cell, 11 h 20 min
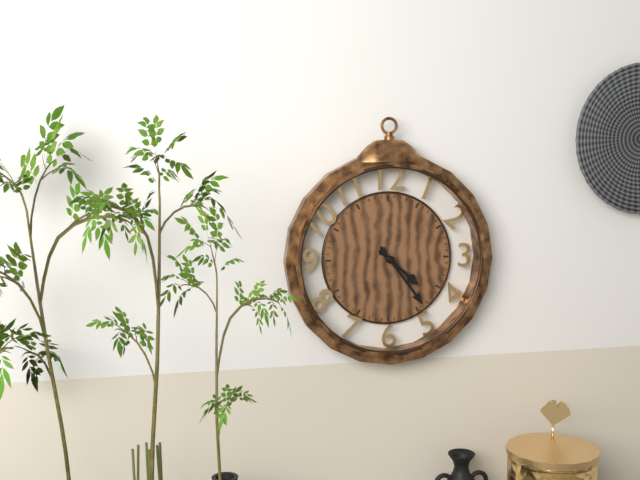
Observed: 4 h 24 min
